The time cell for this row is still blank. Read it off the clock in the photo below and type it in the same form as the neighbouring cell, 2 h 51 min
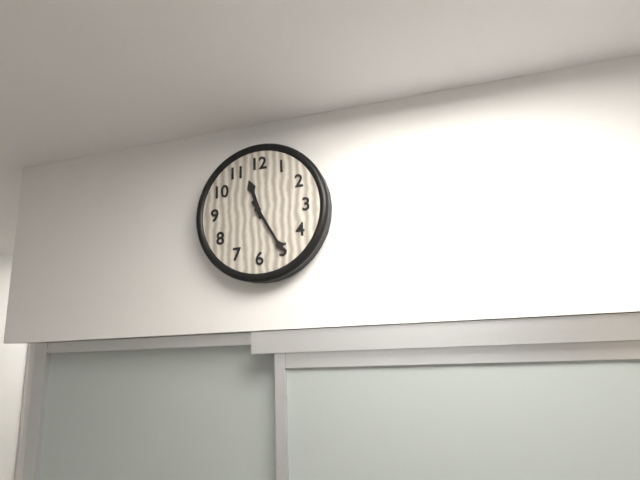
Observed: 11 h 25 min
